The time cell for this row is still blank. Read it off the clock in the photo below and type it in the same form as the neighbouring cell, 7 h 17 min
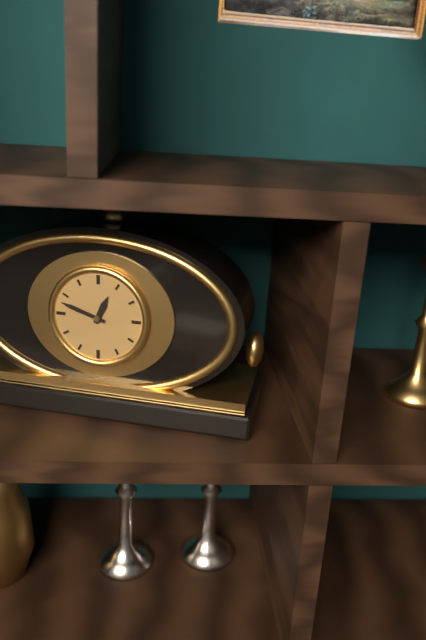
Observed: 12 h 48 min
